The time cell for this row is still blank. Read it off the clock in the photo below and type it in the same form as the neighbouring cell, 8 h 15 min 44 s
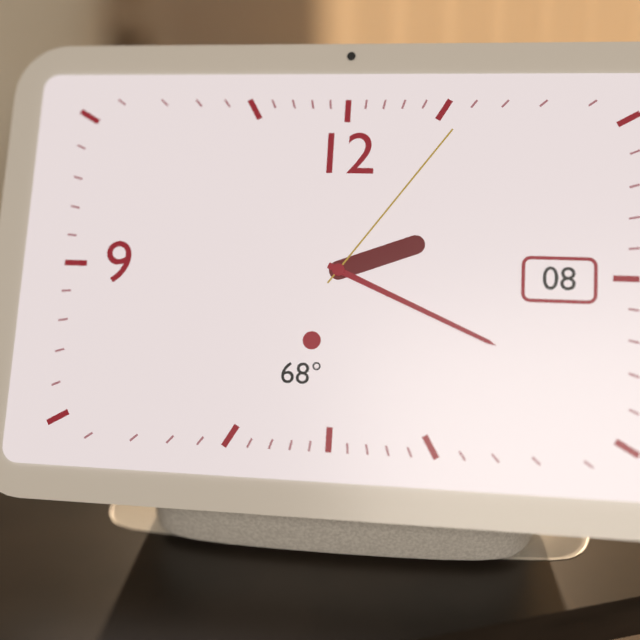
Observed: 2 h 19 min 06 s
